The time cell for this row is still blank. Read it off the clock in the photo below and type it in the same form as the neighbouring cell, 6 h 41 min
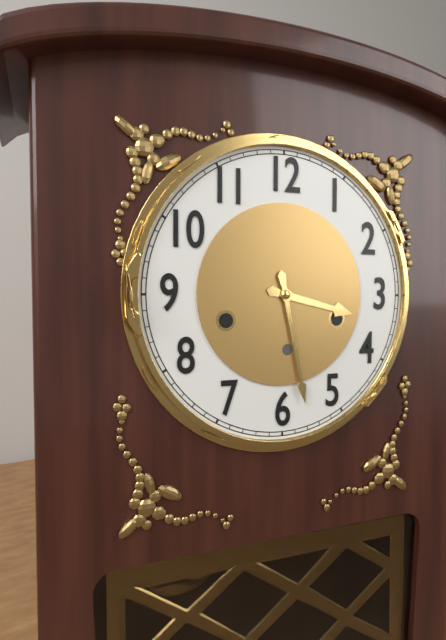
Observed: 3 h 28 min
